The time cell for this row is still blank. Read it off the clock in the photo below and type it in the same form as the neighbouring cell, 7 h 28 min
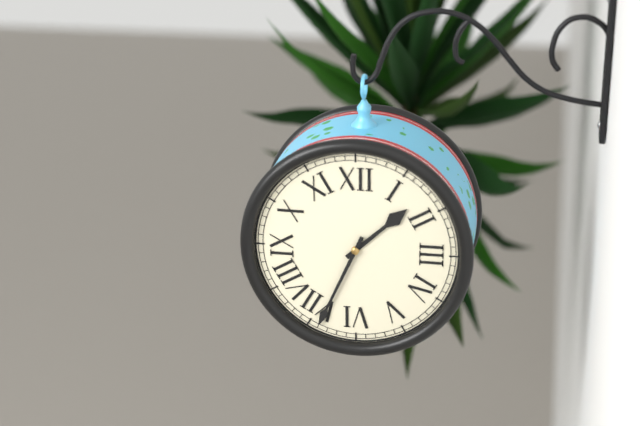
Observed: 1 h 34 min
